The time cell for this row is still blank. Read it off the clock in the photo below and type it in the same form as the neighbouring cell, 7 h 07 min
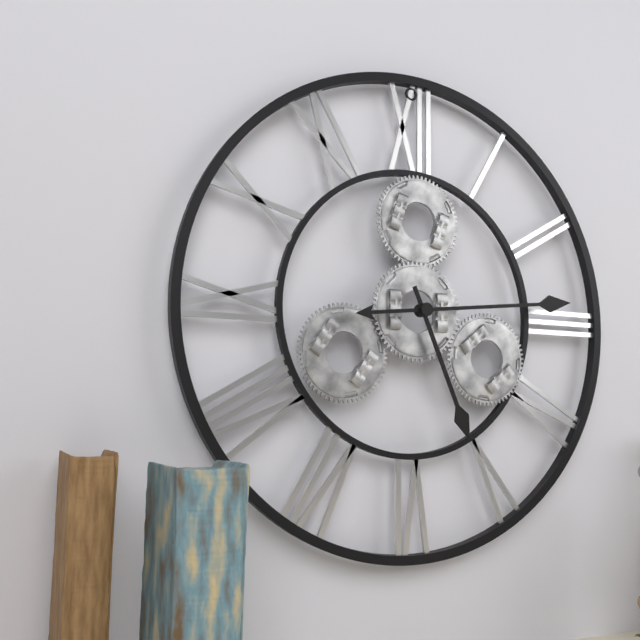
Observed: 5 h 14 min
